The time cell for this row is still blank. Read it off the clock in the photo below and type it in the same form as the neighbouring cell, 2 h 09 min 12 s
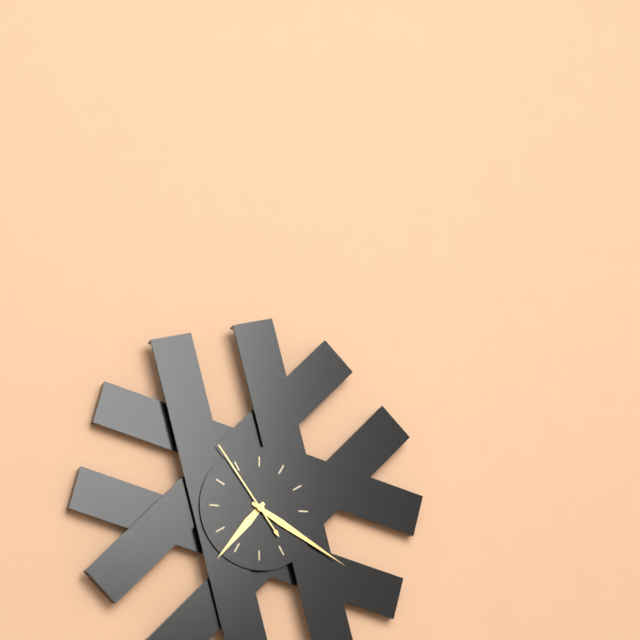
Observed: 7 h 20 min 54 s
